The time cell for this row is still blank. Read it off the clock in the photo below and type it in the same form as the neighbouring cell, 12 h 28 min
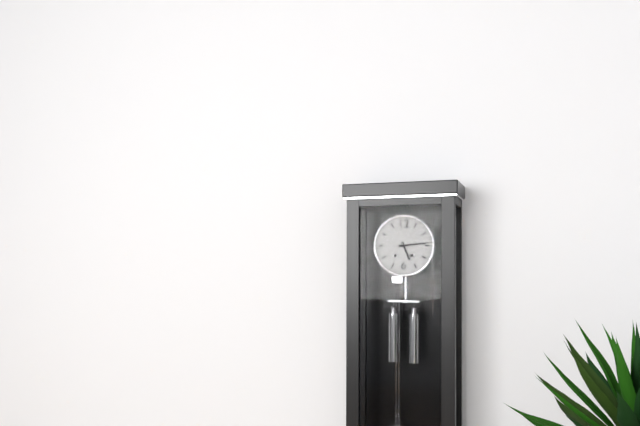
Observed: 5 h 14 min
